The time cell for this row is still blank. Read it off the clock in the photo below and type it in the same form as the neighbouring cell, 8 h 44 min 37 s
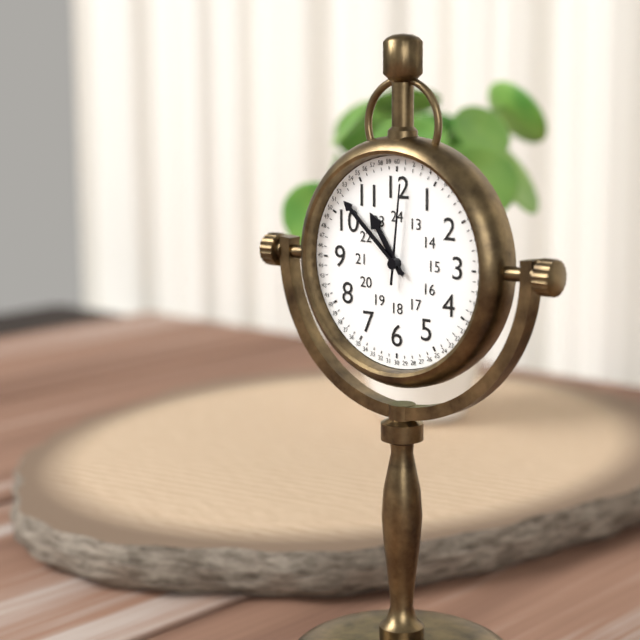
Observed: 10 h 52 min 01 s
